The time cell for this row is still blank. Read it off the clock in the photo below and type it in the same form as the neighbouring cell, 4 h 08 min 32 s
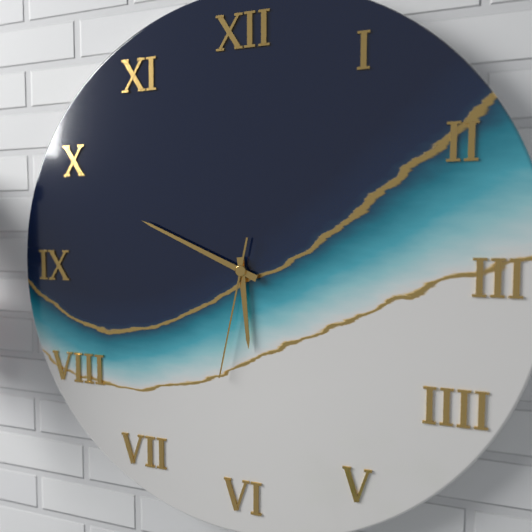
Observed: 5 h 49 min 32 s
